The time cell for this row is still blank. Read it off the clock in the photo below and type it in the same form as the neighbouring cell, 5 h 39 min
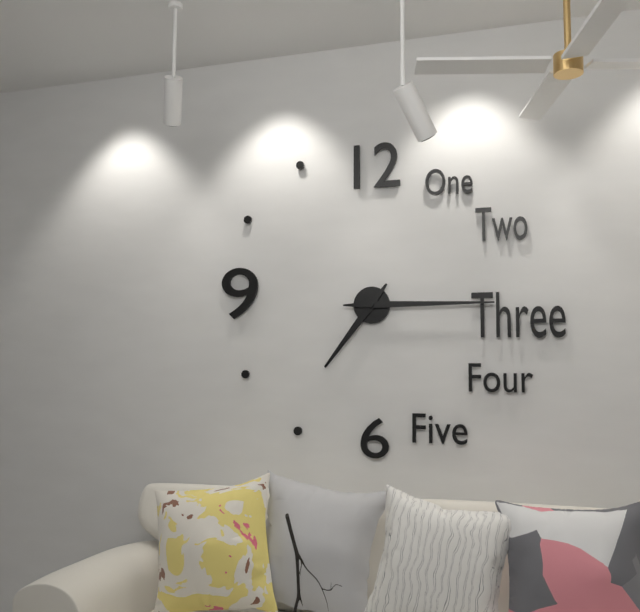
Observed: 7 h 15 min
